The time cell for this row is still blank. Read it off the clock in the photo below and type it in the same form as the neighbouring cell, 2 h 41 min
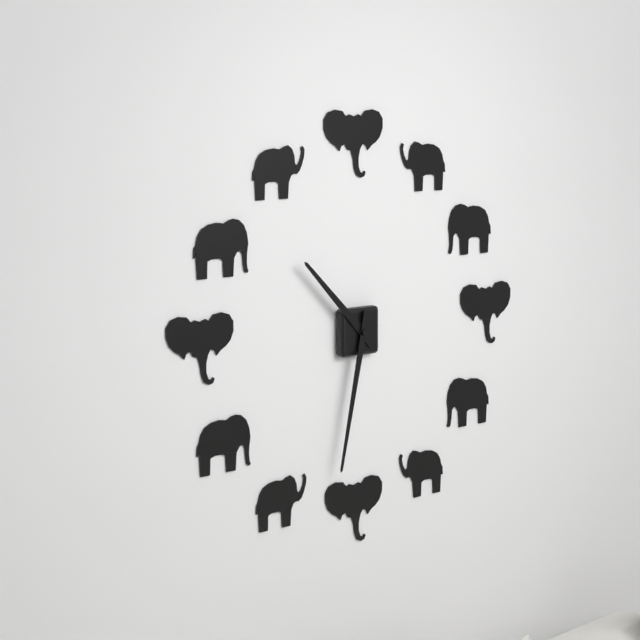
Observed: 10 h 32 min
